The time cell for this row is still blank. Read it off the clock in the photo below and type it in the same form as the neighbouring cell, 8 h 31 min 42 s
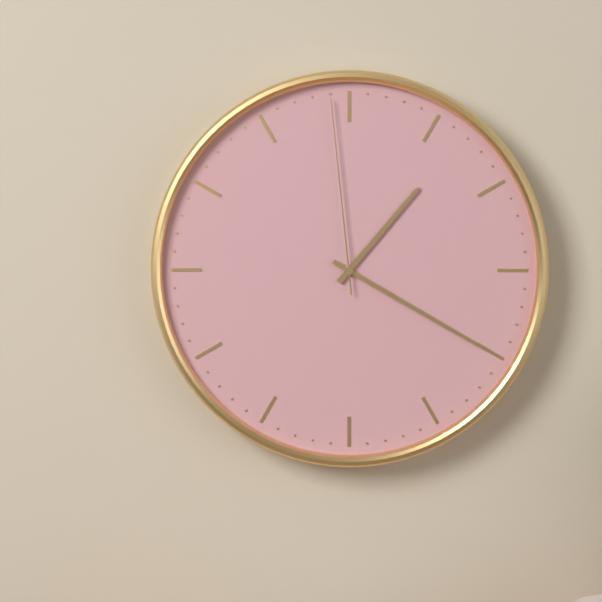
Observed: 1 h 20 min 59 s
